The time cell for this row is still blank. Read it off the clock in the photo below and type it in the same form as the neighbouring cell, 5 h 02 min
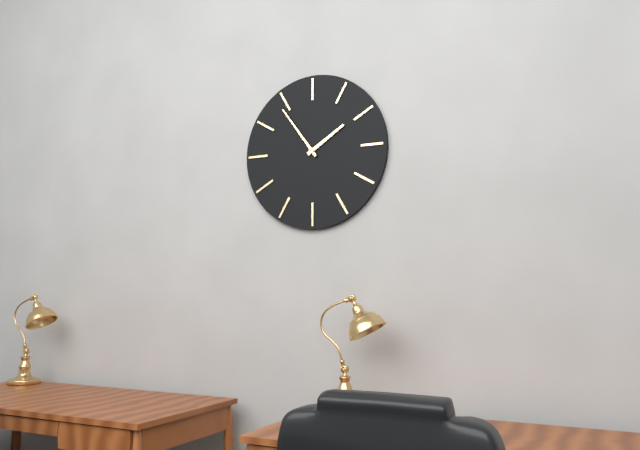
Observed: 1 h 54 min
